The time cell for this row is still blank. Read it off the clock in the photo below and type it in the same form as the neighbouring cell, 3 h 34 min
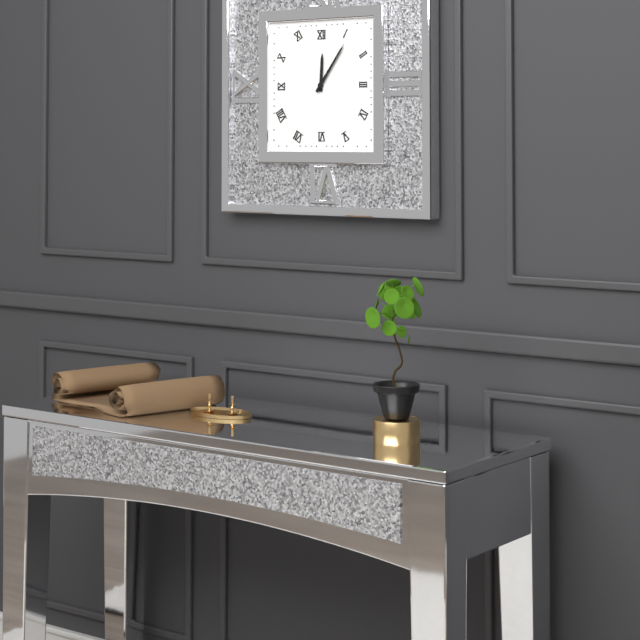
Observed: 12 h 06 min
